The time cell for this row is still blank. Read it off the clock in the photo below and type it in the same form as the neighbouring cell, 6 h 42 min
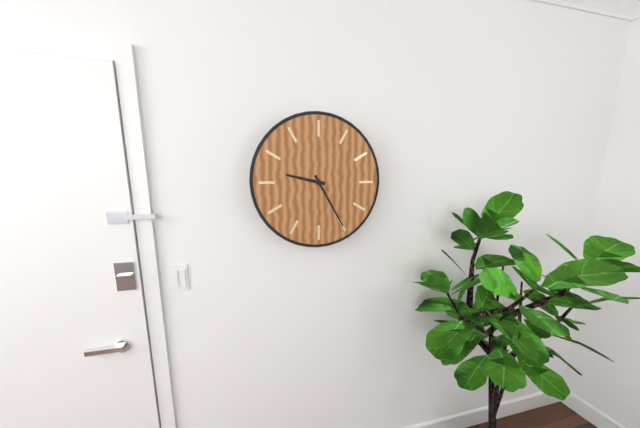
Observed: 9 h 25 min
